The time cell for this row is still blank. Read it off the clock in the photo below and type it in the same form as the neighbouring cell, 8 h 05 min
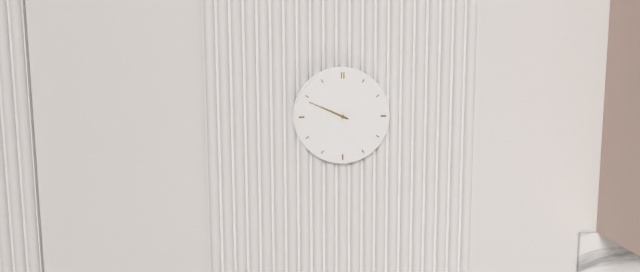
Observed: 9 h 49 min
